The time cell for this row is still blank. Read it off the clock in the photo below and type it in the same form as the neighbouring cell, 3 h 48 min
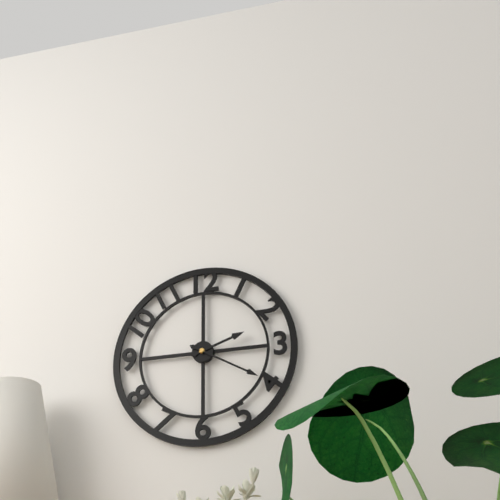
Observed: 2 h 20 min
